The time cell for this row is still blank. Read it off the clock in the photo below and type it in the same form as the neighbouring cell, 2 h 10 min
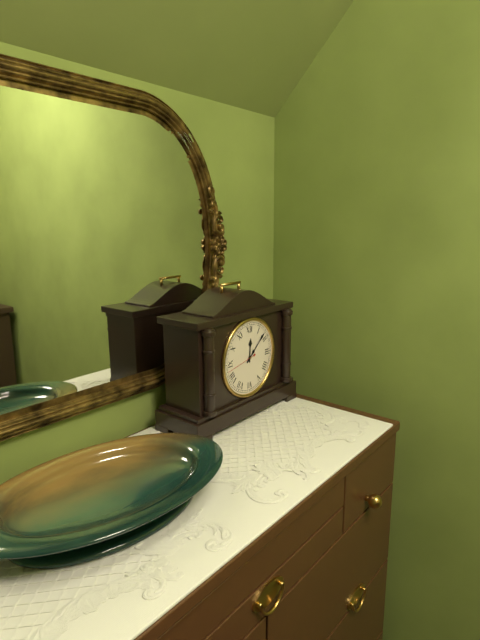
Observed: 12 h 08 min
